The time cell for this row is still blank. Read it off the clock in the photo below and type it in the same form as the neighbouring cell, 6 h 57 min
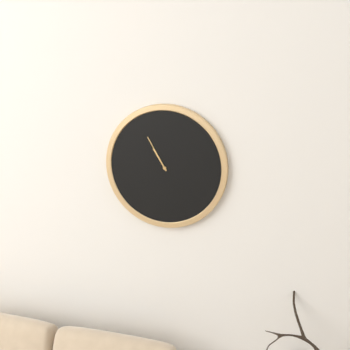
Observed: 10 h 55 min
